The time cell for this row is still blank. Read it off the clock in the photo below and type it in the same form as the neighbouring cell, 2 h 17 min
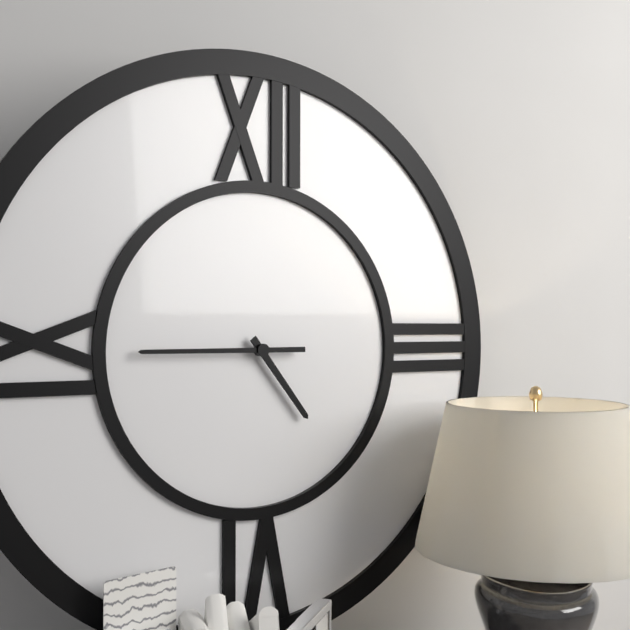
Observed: 4 h 45 min
